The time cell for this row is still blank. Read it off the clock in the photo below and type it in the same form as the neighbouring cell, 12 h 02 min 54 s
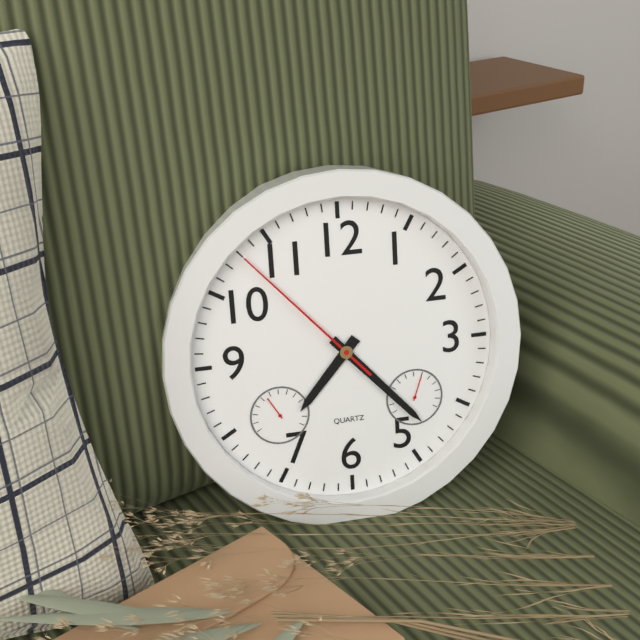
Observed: 7 h 23 min 53 s
